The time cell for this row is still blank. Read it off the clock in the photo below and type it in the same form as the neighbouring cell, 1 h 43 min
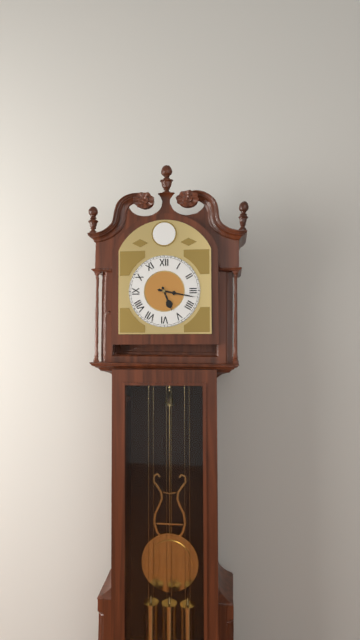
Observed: 5 h 17 min
